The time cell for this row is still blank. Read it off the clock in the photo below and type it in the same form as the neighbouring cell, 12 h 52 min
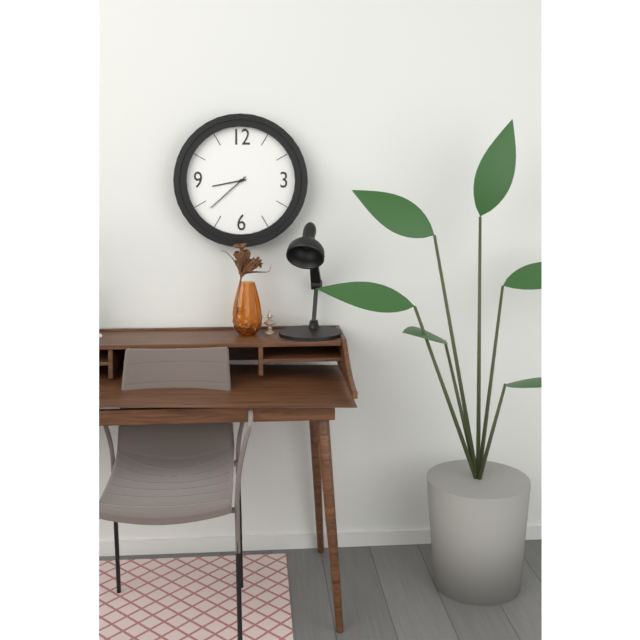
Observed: 8 h 38 min
